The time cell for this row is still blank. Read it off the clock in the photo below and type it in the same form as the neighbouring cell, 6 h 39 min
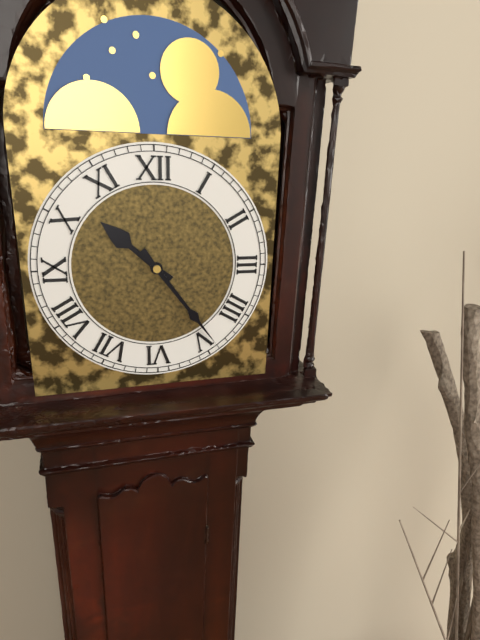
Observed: 10 h 24 min
